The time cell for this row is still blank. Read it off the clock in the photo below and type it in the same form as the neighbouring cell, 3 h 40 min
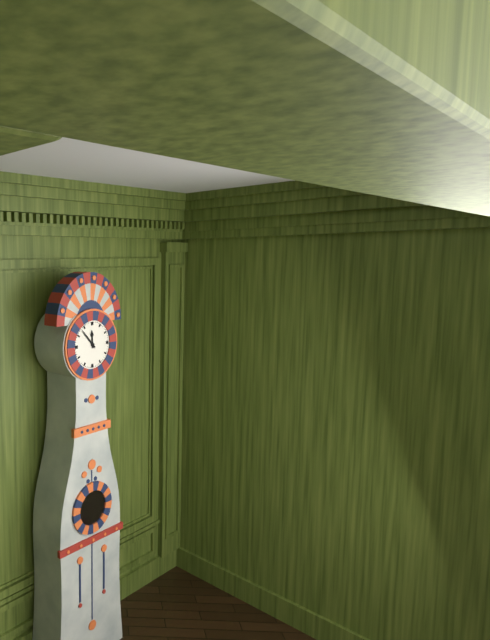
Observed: 11 h 53 min
